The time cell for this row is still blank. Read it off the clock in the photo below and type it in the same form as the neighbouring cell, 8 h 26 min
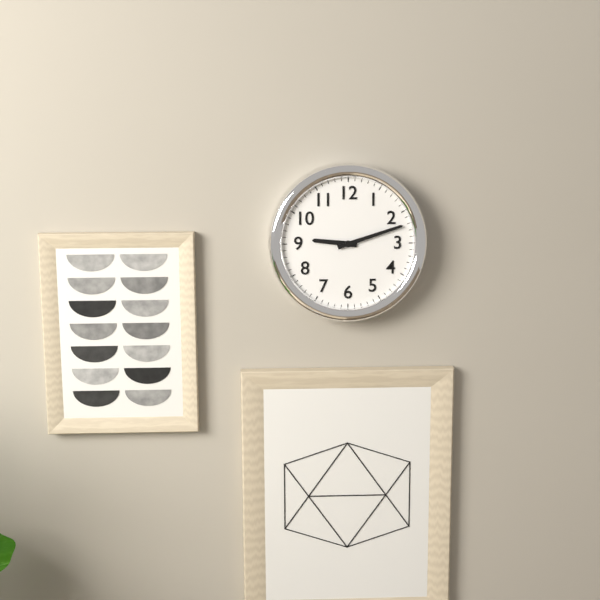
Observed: 9 h 12 min
